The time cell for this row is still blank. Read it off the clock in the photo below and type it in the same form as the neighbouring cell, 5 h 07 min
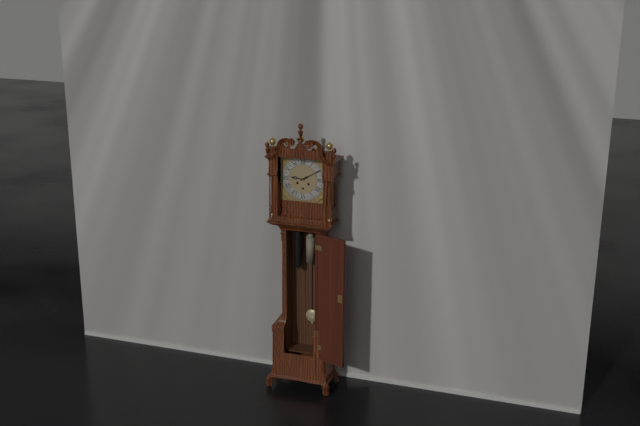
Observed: 9 h 10 min
